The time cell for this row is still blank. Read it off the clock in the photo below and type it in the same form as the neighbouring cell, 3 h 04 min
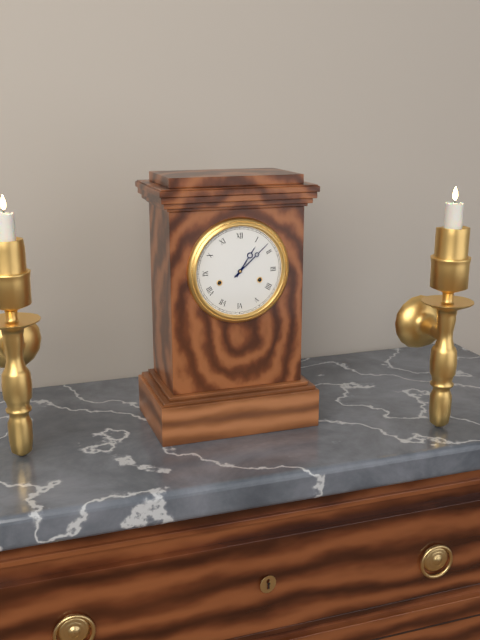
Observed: 1 h 08 min
